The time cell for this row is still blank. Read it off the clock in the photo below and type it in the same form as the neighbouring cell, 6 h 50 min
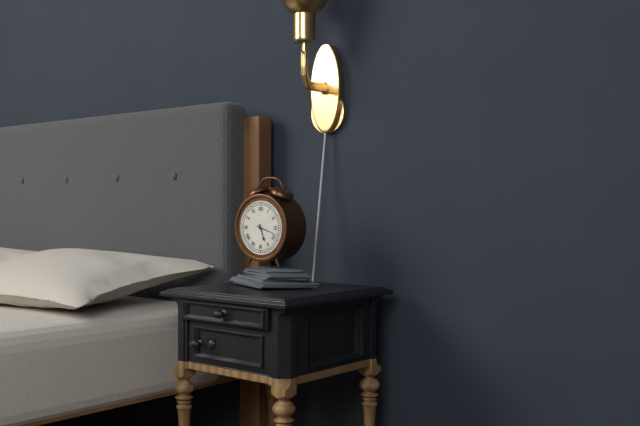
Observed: 5 h 18 min
